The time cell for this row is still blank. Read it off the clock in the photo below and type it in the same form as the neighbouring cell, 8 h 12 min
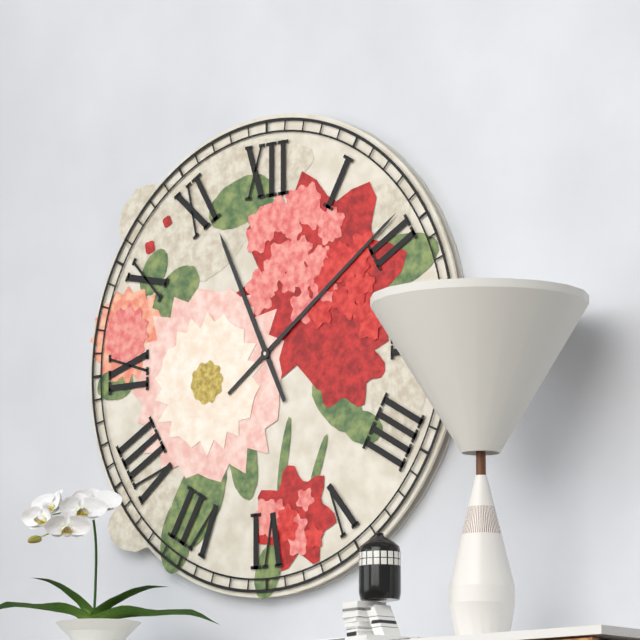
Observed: 11 h 09 min
